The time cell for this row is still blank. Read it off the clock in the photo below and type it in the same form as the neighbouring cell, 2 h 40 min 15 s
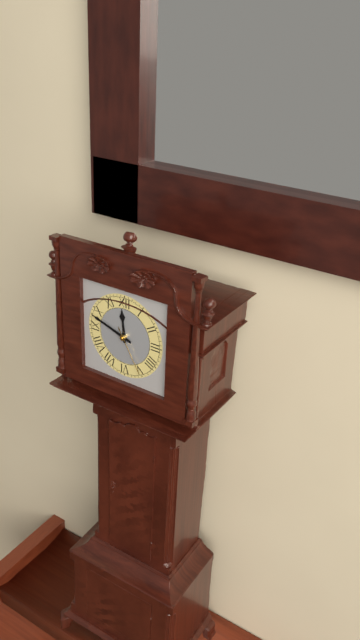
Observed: 11 h 48 min 25 s
